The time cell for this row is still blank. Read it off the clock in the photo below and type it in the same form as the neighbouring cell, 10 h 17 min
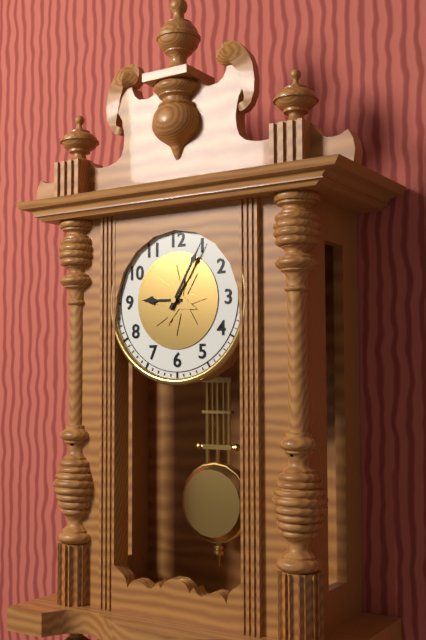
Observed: 9 h 05 min
